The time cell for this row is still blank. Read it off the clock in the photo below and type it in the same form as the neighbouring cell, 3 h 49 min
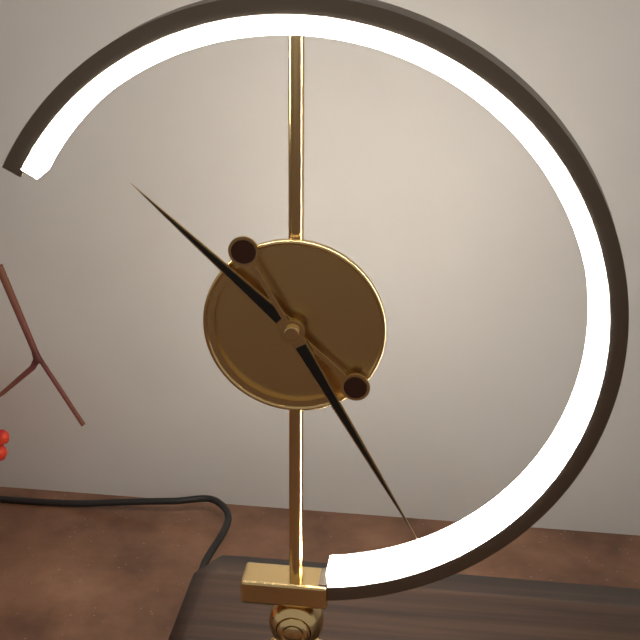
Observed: 10 h 25 min
